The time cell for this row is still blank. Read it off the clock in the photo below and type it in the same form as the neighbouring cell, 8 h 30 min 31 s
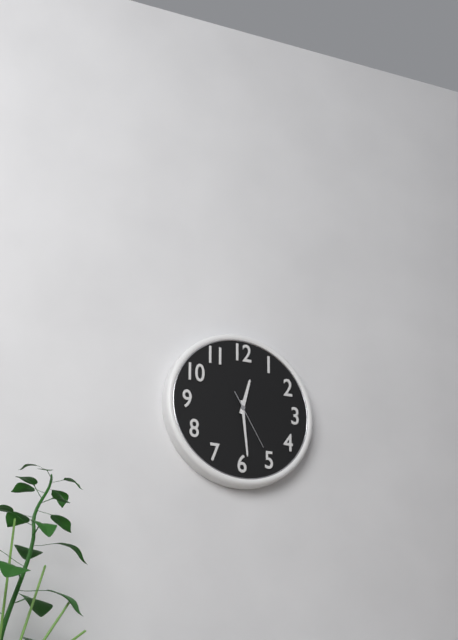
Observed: 12 h 29 min 25 s
